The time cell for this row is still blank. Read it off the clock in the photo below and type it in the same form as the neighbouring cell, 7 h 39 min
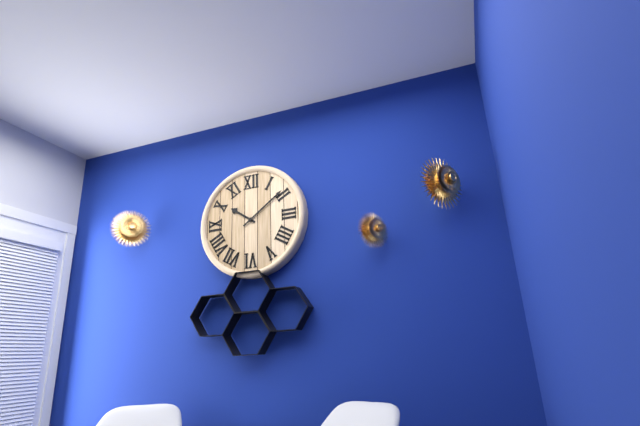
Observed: 10 h 09 min
